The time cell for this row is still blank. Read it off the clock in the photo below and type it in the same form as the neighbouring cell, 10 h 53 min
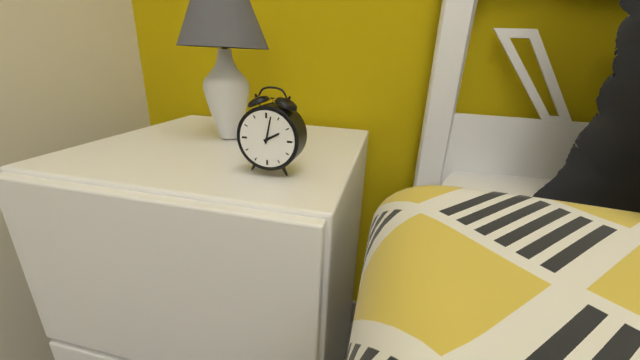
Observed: 2 h 02 min
